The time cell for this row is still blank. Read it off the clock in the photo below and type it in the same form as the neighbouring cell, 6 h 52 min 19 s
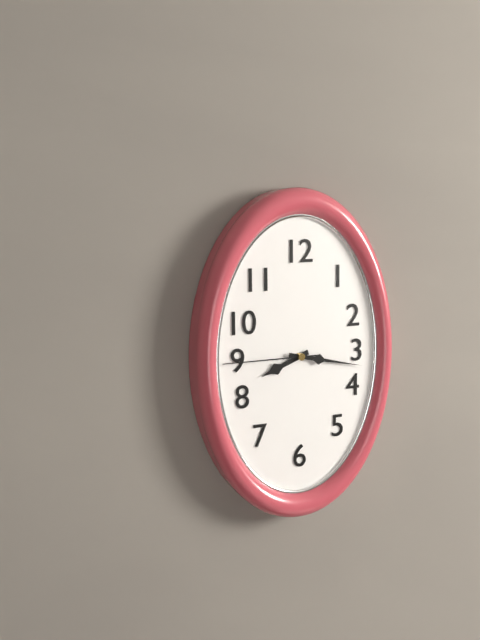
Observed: 8 h 17 min 45 s
